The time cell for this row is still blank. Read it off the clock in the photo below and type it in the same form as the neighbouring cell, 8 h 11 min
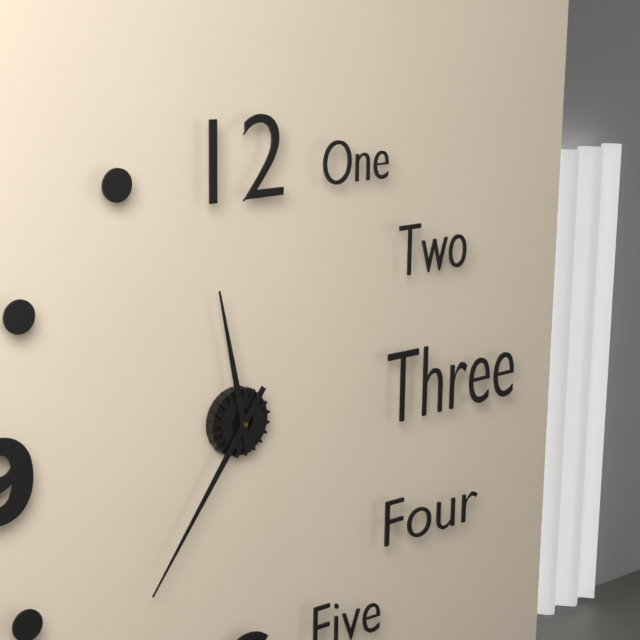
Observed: 11 h 36 min
